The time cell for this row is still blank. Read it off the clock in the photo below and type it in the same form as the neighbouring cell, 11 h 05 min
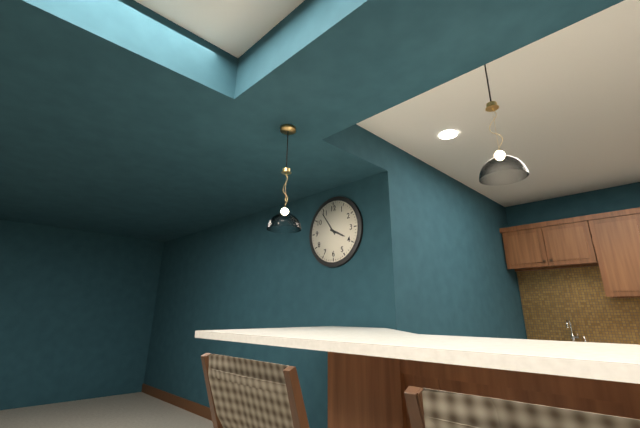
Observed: 3 h 54 min
